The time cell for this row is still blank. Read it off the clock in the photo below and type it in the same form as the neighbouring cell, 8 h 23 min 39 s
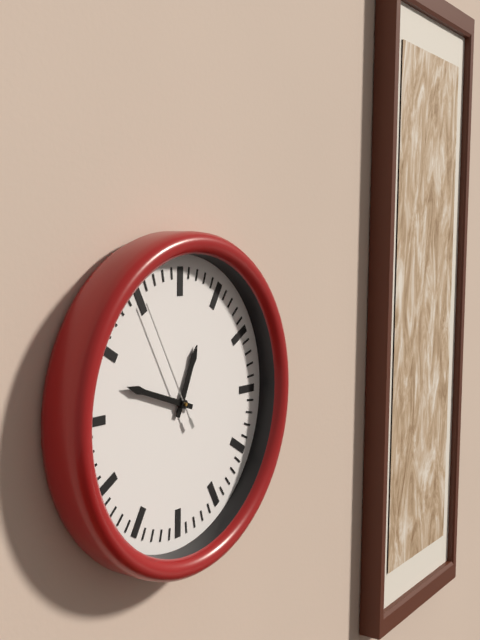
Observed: 12 h 48 min 55 s
